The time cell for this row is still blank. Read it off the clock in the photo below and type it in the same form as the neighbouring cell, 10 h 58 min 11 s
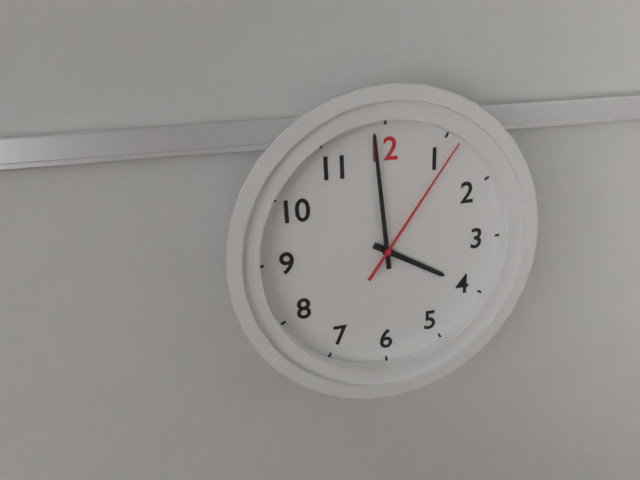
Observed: 3 h 59 min 06 s
